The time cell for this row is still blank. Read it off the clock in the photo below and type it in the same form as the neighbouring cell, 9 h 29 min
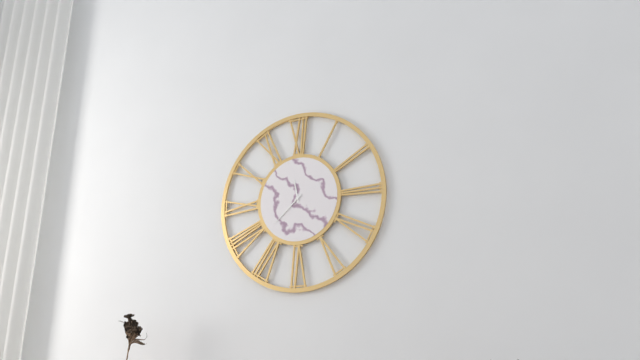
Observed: 11 h 38 min
